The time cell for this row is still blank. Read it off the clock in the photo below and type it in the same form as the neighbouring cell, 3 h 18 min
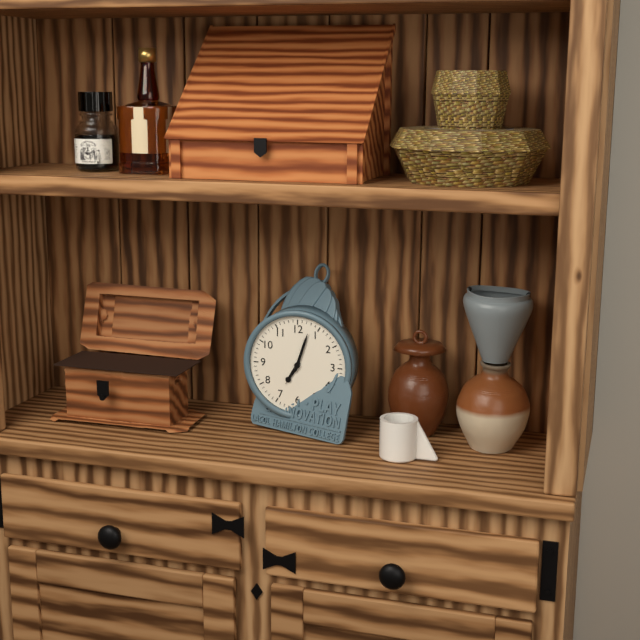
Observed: 7 h 03 min
